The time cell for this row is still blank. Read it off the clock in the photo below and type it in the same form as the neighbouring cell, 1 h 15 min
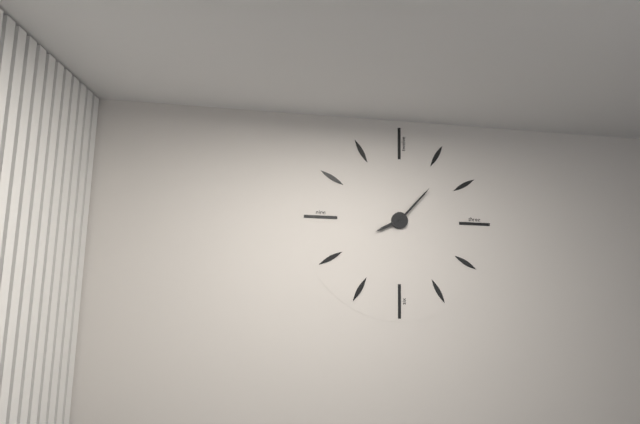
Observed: 8 h 07 min
